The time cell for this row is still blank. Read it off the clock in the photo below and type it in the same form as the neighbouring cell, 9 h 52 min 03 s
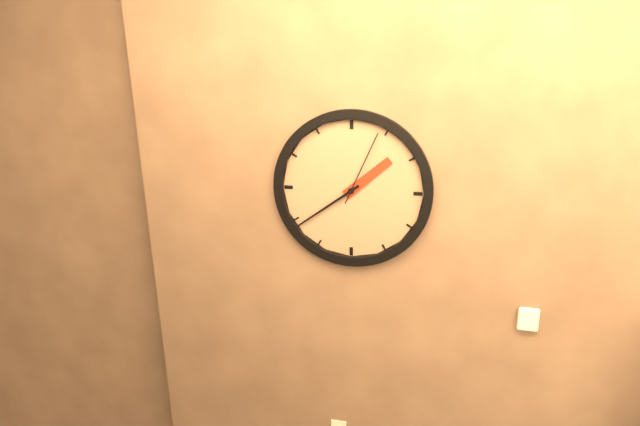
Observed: 1 h 39 min 04 s
